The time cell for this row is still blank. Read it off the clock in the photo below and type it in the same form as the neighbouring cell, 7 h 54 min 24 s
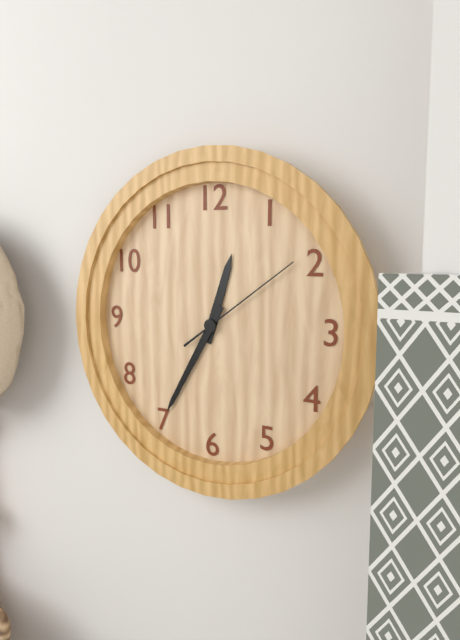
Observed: 12 h 35 min 09 s
